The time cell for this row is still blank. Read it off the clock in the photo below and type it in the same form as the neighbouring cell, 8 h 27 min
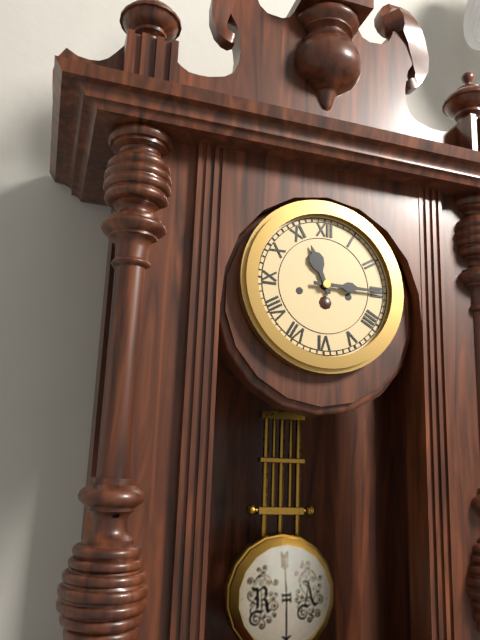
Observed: 11 h 15 min
